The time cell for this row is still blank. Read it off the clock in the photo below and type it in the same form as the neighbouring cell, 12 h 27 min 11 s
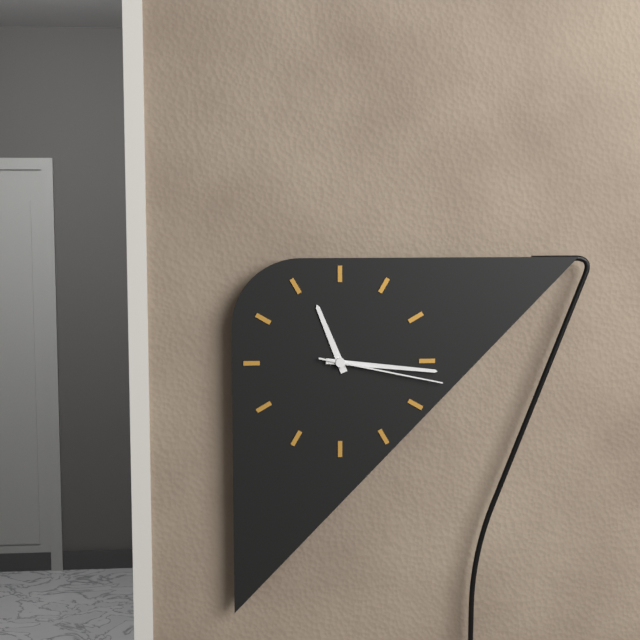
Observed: 11 h 16 min 17 s
